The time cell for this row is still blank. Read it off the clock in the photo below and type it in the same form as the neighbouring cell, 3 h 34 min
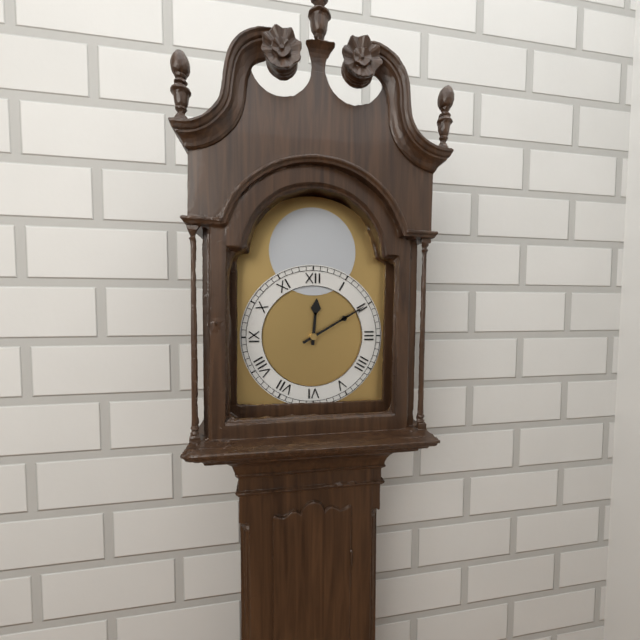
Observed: 12 h 10 min
